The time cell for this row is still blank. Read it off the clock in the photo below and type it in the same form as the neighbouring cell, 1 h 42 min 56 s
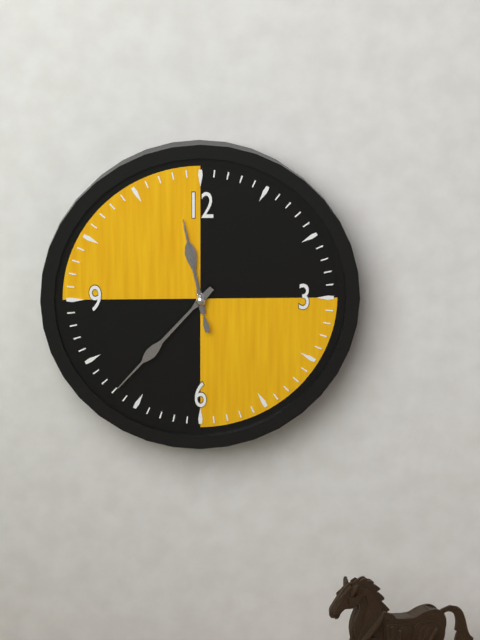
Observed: 11 h 37 min 58 s
